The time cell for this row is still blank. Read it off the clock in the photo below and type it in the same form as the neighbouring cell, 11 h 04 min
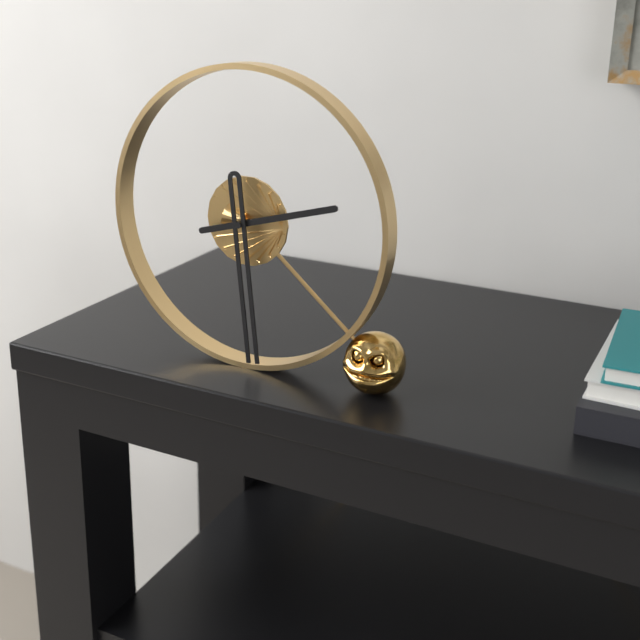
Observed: 2 h 29 min
